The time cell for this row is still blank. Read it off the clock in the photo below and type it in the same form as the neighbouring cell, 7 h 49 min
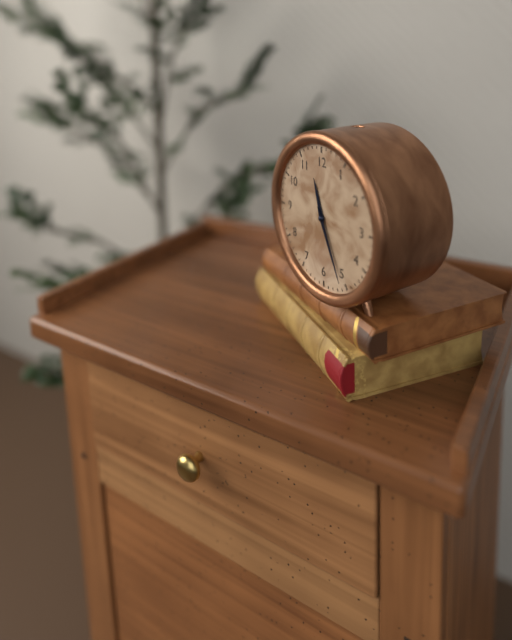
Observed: 11 h 26 min
